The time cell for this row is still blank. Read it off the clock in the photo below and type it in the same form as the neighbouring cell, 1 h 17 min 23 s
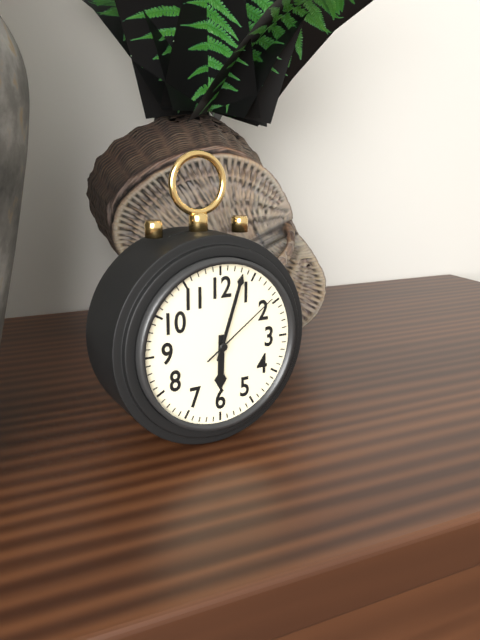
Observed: 6 h 03 min 09 s
